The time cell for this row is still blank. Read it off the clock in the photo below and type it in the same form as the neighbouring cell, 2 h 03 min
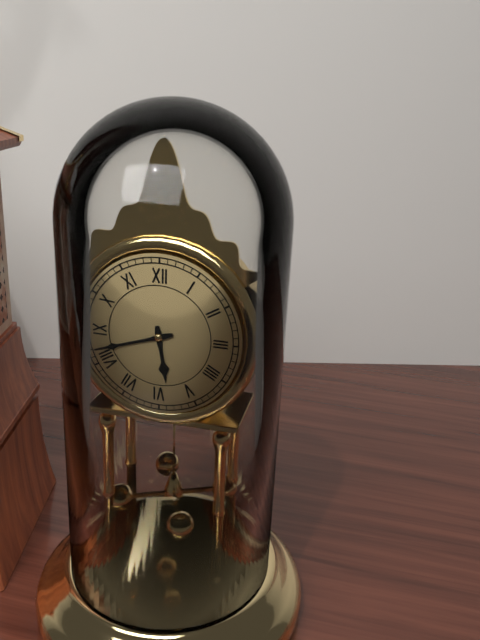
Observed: 5 h 42 min
